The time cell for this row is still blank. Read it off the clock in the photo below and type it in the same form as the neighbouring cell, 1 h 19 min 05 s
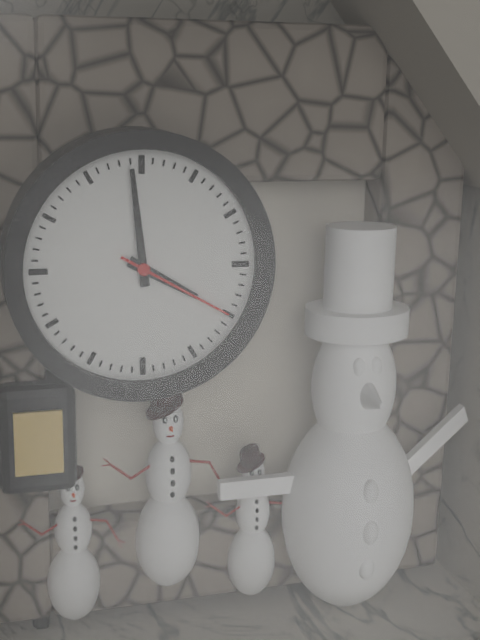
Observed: 3 h 59 min 20 s
